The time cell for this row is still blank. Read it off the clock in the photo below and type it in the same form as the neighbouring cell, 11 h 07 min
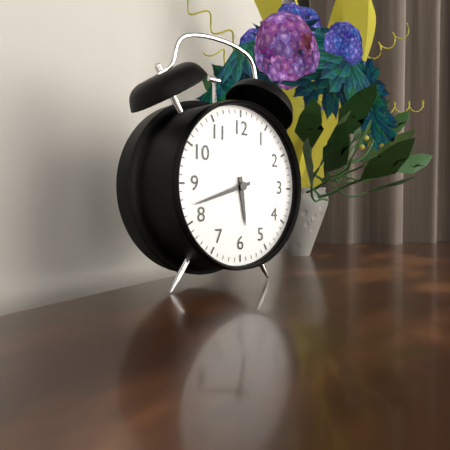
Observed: 5 h 42 min
